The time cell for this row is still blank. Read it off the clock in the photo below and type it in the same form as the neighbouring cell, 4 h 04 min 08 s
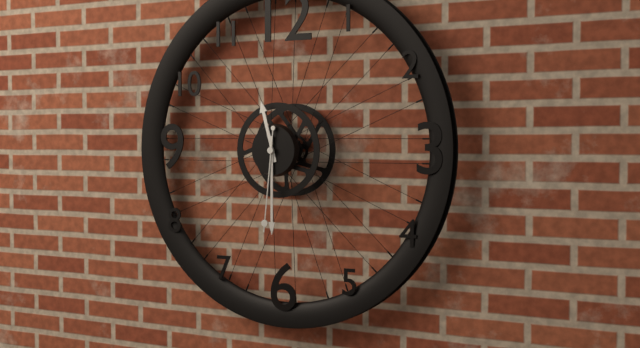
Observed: 11 h 30 min 31 s
